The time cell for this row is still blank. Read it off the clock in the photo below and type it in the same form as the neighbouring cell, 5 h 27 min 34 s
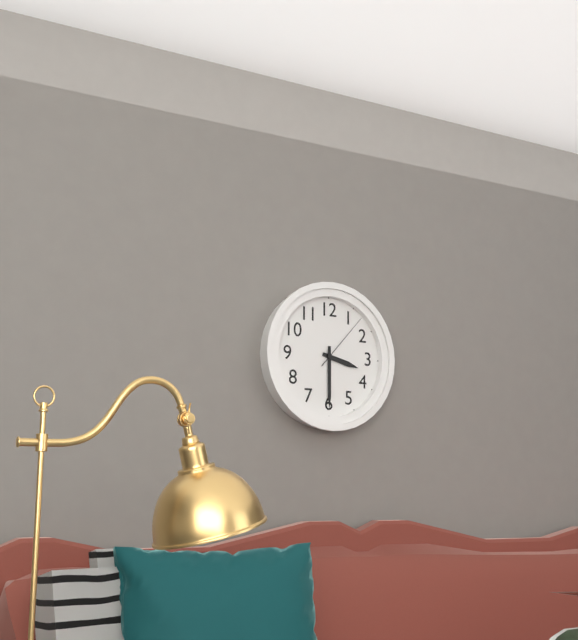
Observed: 3 h 30 min 07 s
